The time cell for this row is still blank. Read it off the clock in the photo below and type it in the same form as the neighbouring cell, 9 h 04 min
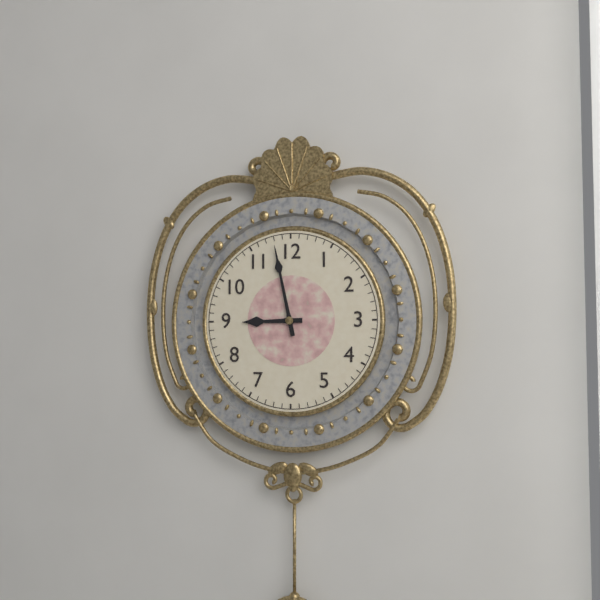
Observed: 8 h 58 min
